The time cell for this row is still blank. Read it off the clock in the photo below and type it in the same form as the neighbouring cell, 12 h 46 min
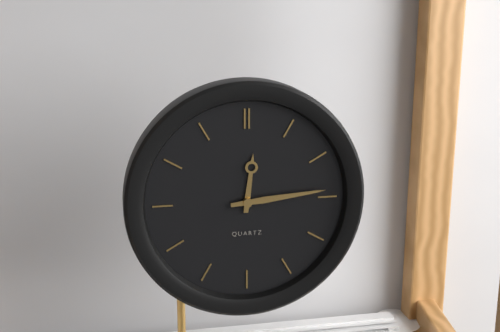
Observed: 12 h 14 min
